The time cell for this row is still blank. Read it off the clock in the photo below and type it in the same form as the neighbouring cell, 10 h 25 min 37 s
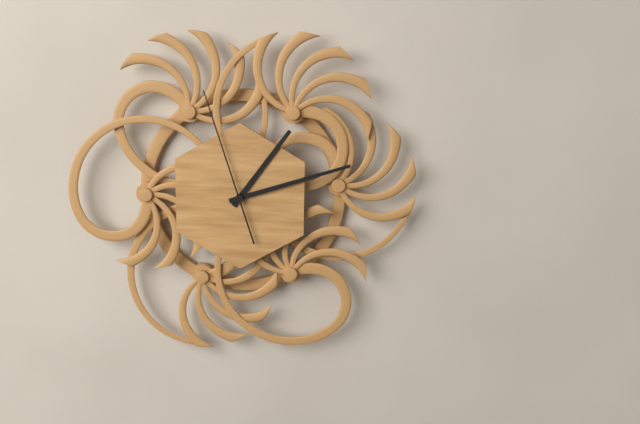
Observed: 1 h 12 min 57 s
